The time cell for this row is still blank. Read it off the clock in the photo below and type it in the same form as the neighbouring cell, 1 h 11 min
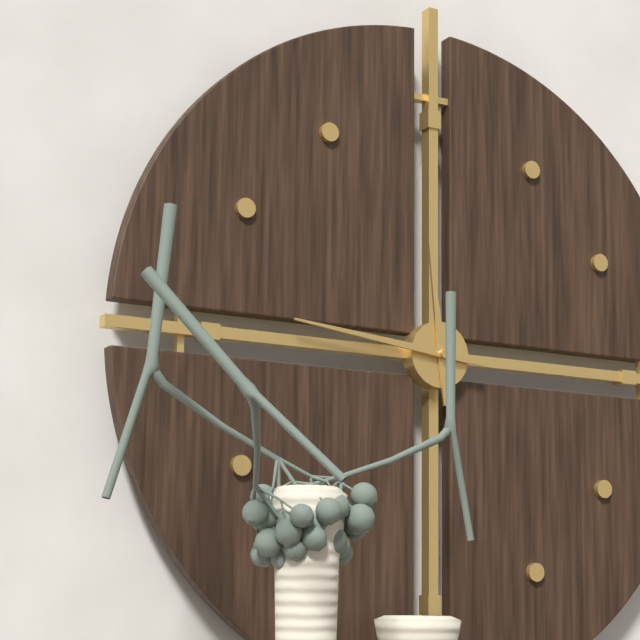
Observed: 11 h 46 min
